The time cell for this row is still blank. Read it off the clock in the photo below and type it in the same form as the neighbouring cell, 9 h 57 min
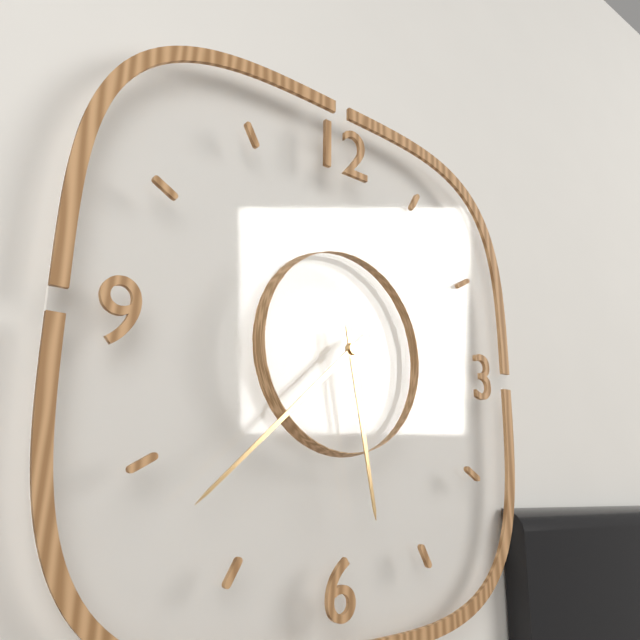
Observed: 5 h 38 min
